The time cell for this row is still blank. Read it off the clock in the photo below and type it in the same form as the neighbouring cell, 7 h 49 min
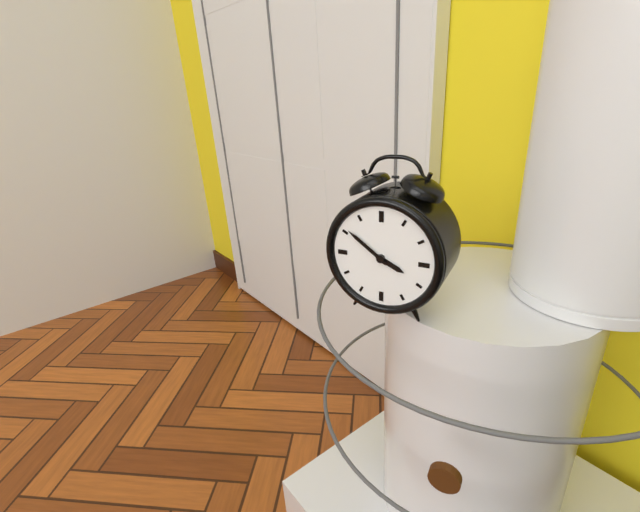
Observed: 3 h 51 min
